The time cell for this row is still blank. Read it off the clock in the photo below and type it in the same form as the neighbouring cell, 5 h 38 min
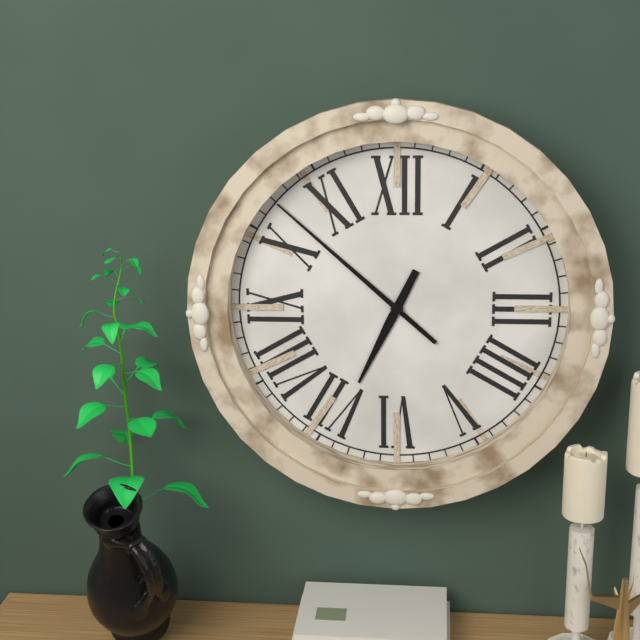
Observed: 6 h 52 min
